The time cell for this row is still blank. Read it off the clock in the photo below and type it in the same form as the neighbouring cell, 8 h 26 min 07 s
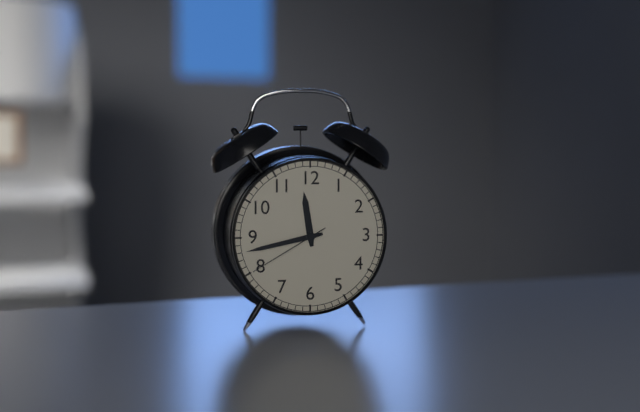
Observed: 11 h 43 min 40 s
